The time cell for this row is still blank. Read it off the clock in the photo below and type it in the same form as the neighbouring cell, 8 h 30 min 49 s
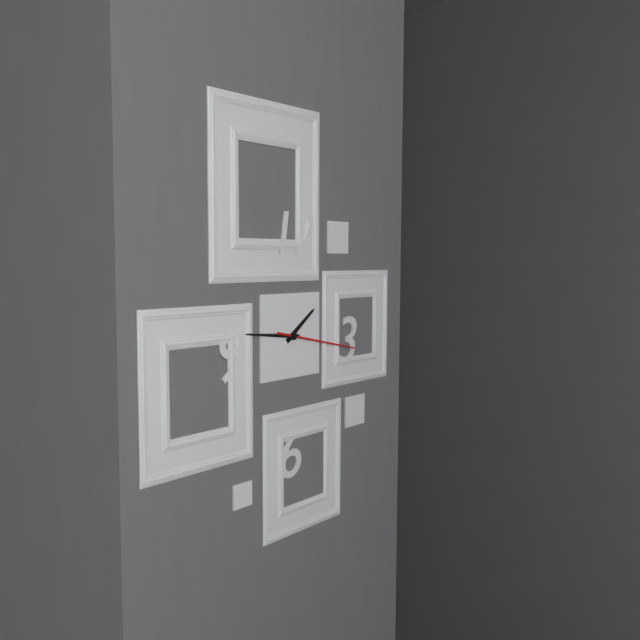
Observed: 1 h 46 min 17 s
